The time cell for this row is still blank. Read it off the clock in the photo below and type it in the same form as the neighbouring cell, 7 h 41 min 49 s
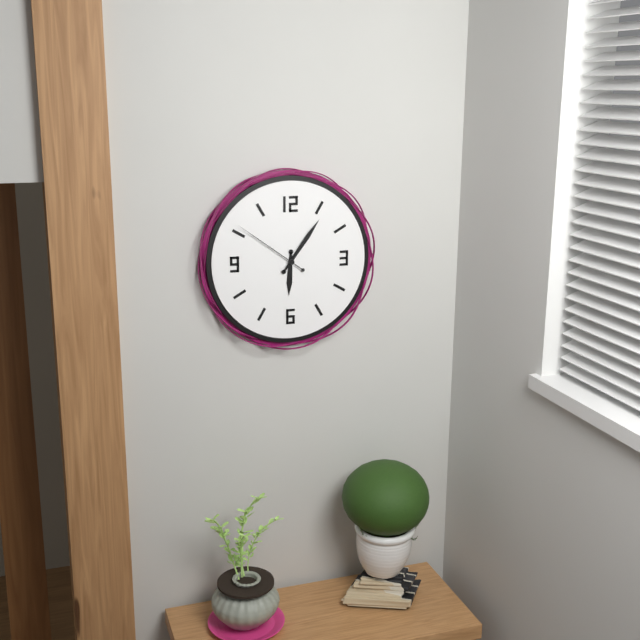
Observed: 6 h 06 min 51 s
